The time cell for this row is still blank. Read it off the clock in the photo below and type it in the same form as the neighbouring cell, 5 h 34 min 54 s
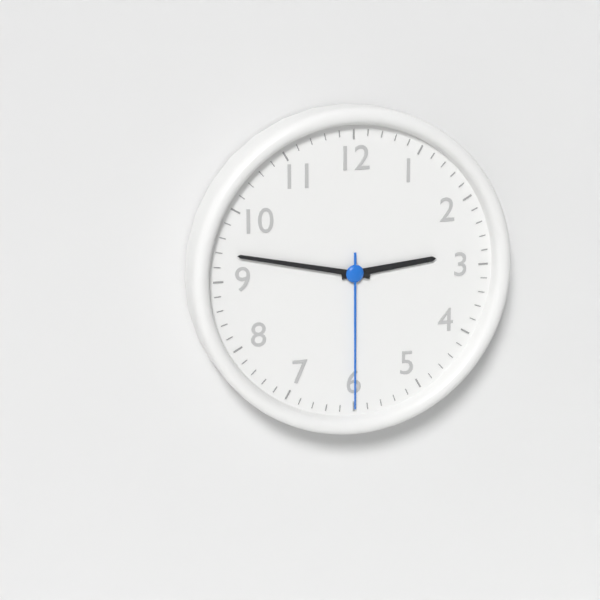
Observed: 2 h 47 min 30 s
